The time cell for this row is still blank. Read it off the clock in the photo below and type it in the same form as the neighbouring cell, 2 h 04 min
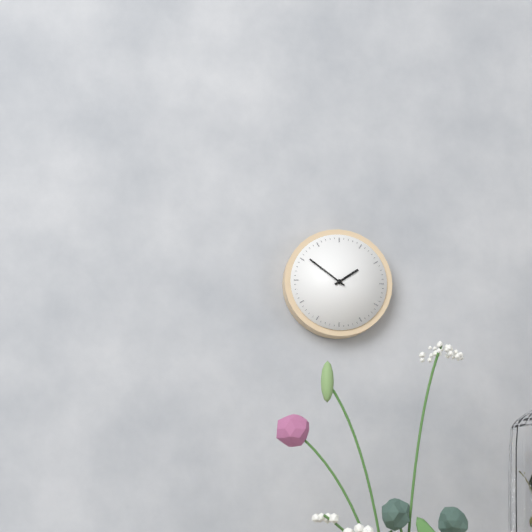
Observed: 1 h 51 min
